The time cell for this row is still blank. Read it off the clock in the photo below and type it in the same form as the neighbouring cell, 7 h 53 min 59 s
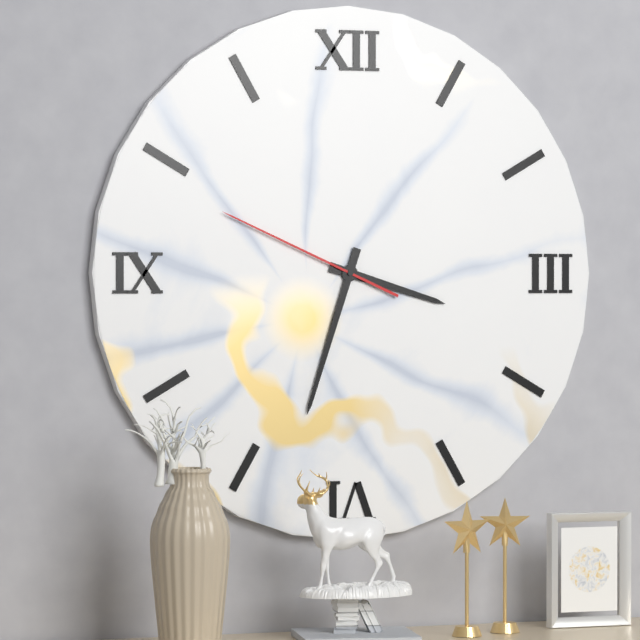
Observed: 3 h 33 min 49 s
